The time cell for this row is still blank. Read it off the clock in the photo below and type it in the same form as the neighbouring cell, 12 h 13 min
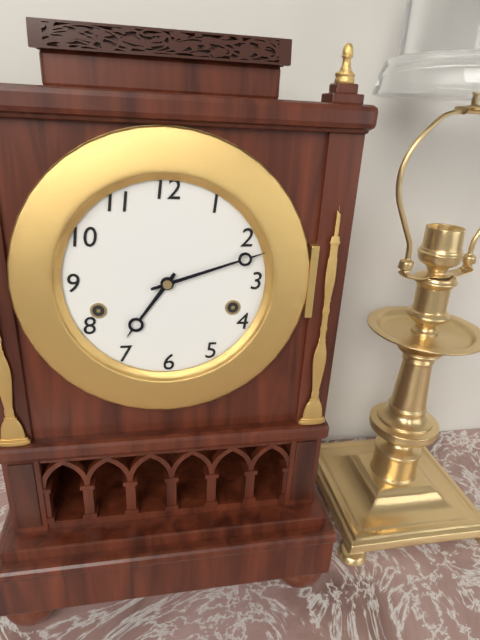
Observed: 7 h 12 min
